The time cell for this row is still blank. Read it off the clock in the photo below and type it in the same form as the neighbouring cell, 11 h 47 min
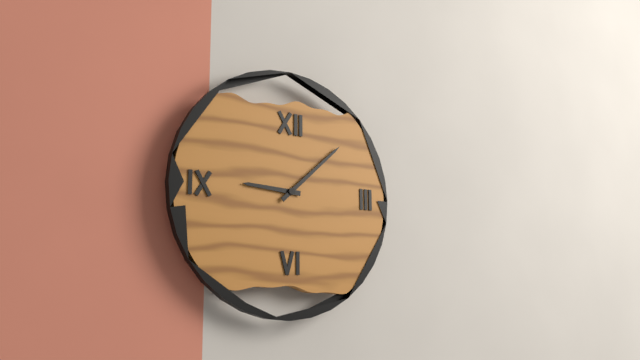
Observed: 9 h 08 min
